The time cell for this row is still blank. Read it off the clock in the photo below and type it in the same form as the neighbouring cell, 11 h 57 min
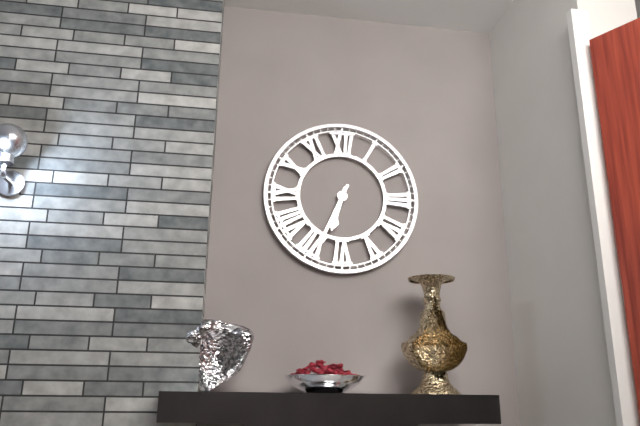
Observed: 6 h 34 min
